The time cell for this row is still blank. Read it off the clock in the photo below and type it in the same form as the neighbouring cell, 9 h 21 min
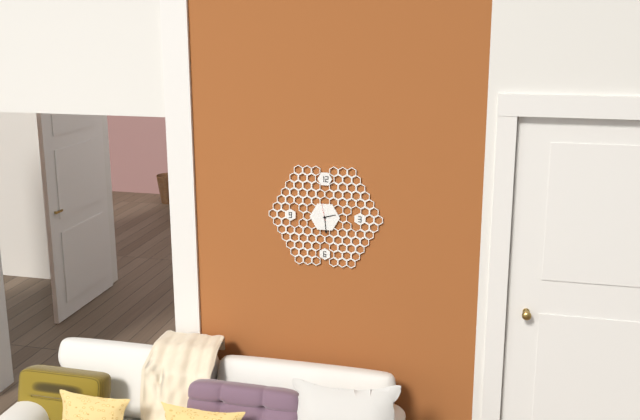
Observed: 2 h 29 min
